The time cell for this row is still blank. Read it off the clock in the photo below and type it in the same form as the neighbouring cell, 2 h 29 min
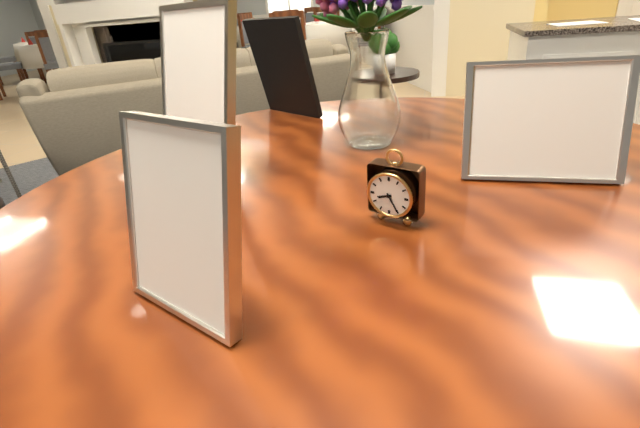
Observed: 8 h 25 min
